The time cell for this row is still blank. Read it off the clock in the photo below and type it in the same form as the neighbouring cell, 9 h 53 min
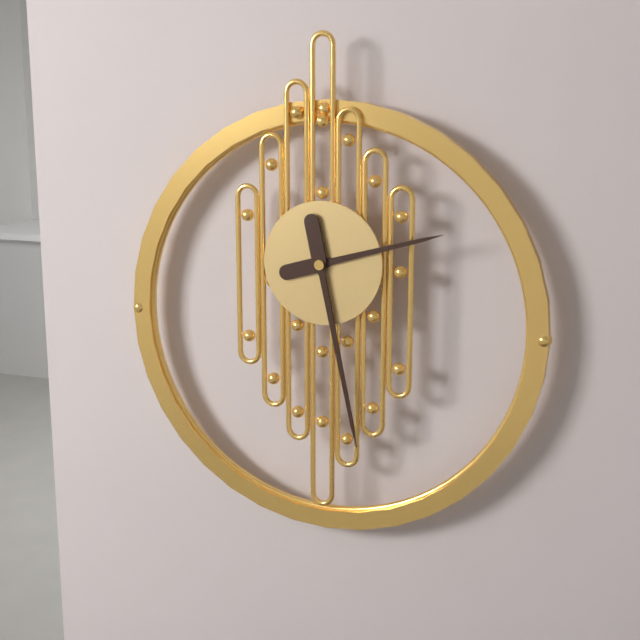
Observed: 2 h 28 min
